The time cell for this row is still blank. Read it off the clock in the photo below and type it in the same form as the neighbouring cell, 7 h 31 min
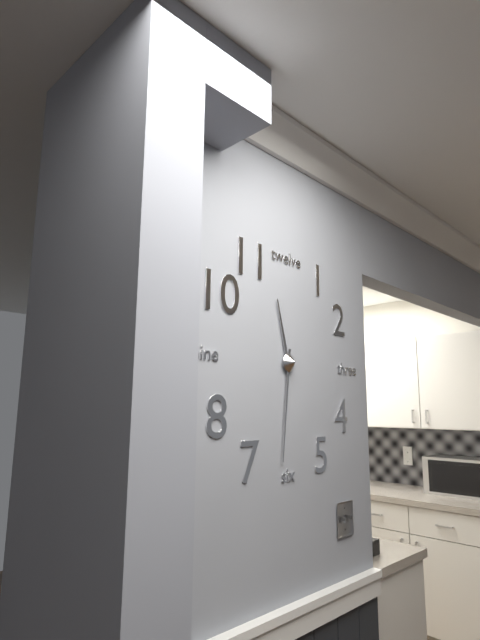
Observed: 11 h 31 min
